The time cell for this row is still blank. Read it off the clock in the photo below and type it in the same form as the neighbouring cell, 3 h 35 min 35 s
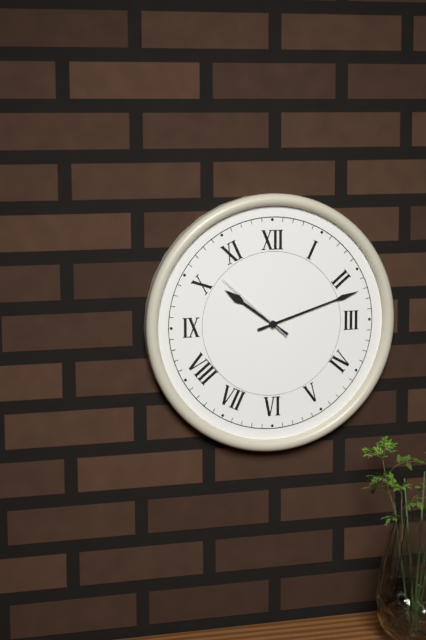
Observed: 10 h 12 min 52 s
